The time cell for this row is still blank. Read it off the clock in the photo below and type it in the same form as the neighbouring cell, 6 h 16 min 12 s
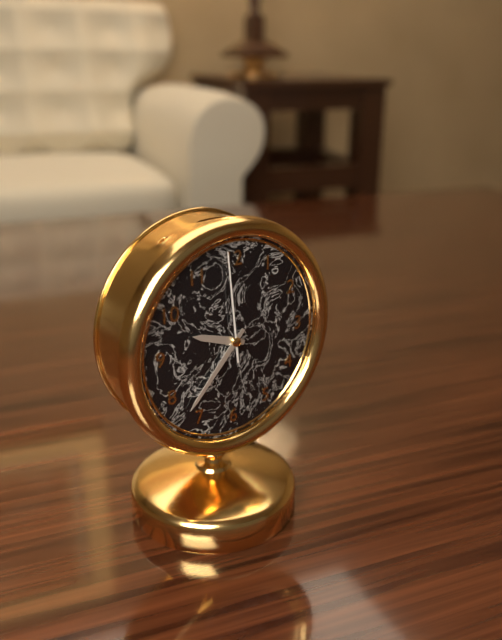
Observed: 9 h 37 min 59 s
